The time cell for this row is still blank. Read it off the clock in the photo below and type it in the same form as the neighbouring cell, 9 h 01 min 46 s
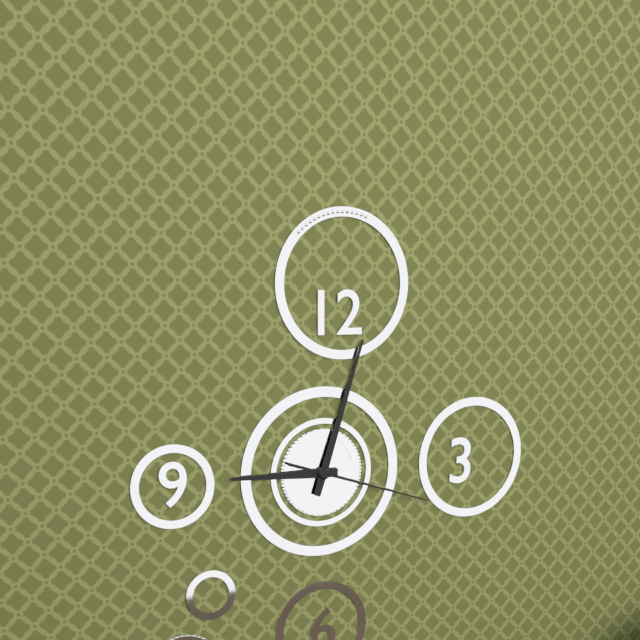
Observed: 9 h 03 min 18 s
